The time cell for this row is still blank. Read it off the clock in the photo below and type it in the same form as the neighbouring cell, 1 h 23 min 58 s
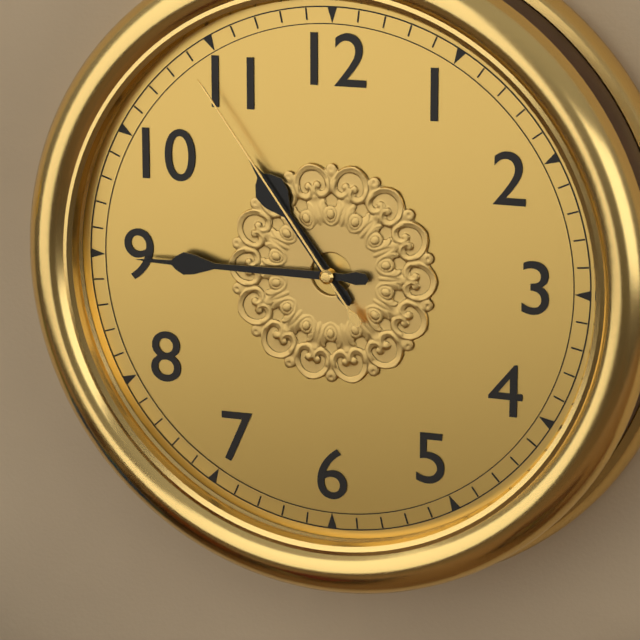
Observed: 10 h 45 min 54 s
